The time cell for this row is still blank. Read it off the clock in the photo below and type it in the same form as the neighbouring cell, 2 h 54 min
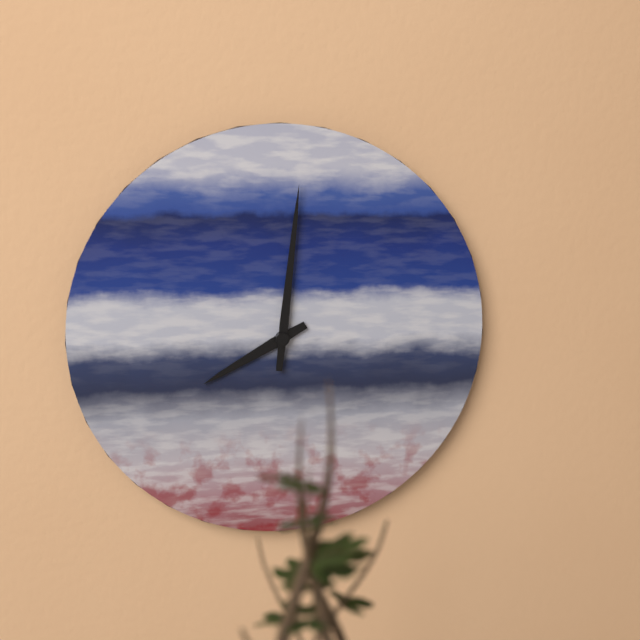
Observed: 8 h 01 min
